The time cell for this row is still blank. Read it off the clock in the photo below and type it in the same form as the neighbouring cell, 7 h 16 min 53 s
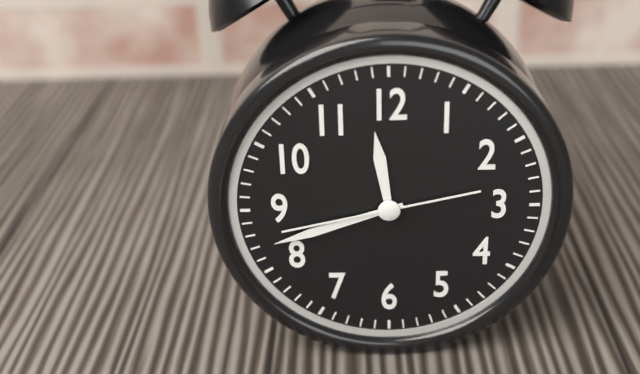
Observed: 11 h 42 min 43 s
